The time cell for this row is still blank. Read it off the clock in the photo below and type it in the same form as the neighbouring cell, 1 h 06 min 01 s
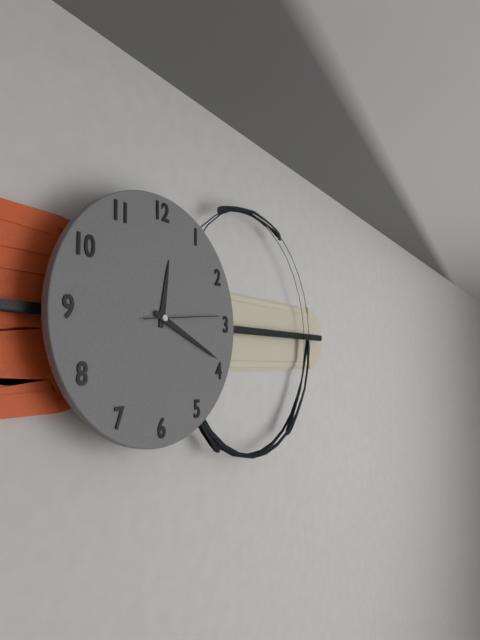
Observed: 12 h 19 min 14 s
